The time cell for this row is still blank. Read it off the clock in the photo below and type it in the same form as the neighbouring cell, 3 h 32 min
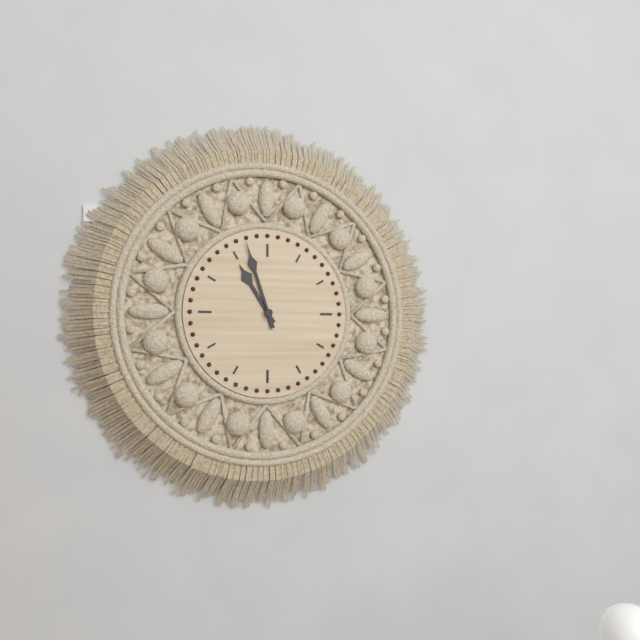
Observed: 10 h 57 min
